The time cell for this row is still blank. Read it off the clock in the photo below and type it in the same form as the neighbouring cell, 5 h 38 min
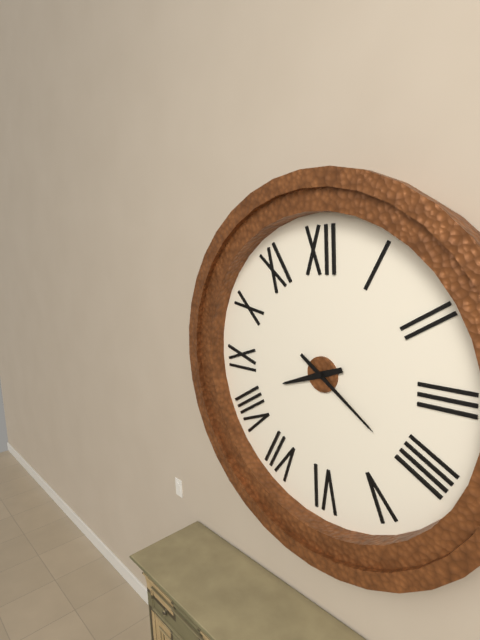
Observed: 8 h 21 min
